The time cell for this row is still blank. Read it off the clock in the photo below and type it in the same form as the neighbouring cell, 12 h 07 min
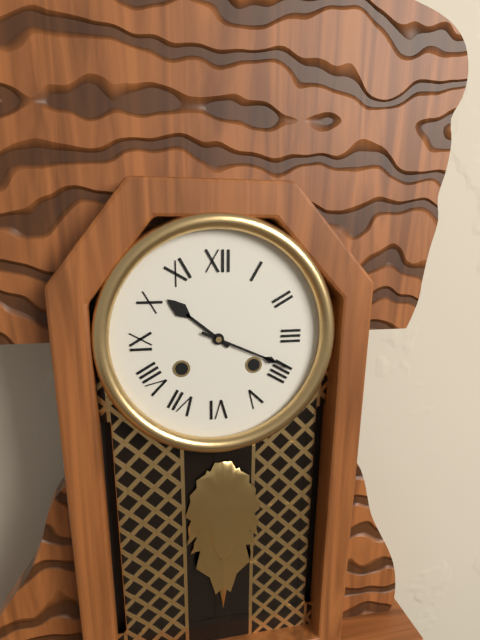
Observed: 10 h 19 min
